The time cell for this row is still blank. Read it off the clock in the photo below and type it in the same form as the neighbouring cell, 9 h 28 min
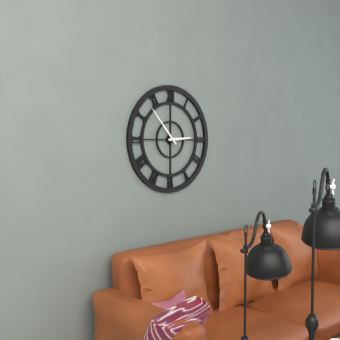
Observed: 2 h 53 min
